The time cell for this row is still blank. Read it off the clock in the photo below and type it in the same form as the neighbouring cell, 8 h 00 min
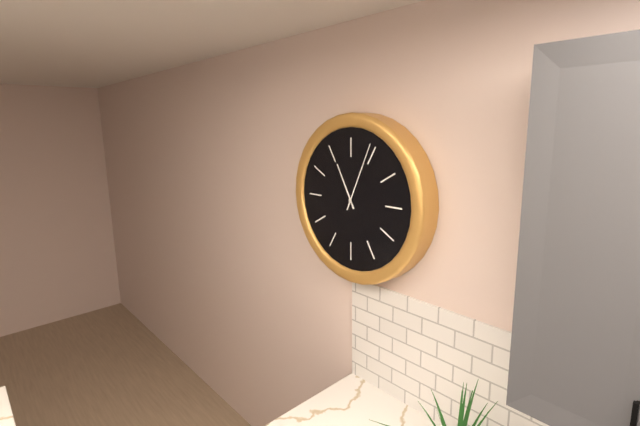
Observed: 11 h 04 min
